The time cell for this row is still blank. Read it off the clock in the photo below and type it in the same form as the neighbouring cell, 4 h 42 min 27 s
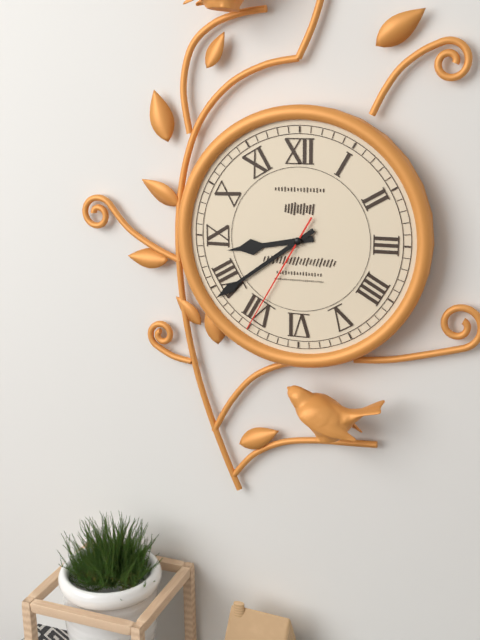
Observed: 8 h 39 min 35 s
